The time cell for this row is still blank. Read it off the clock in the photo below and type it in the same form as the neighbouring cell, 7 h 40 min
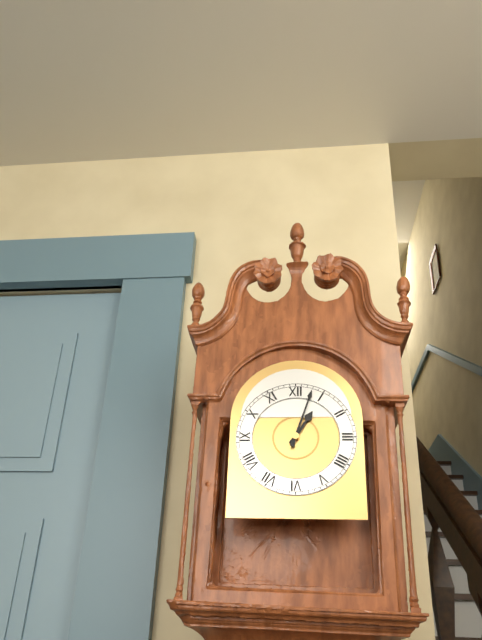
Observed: 1 h 03 min
